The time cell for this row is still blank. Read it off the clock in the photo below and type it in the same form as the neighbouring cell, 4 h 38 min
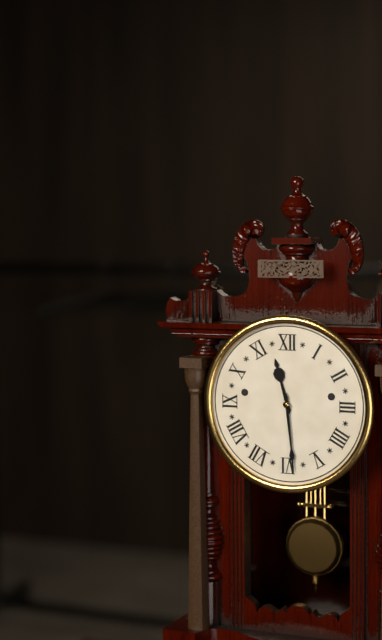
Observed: 11 h 29 min
